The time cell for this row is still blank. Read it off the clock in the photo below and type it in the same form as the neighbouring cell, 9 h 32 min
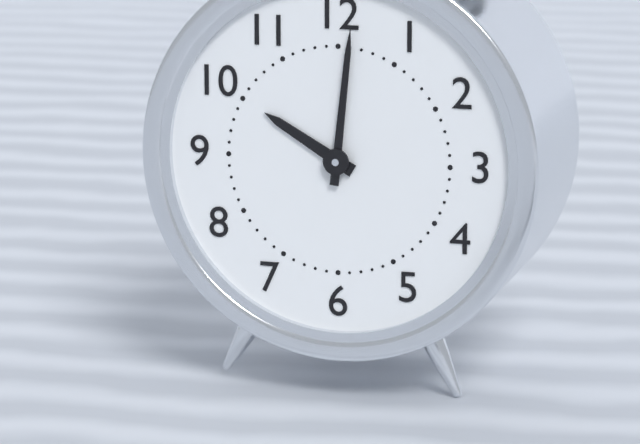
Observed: 10 h 01 min
